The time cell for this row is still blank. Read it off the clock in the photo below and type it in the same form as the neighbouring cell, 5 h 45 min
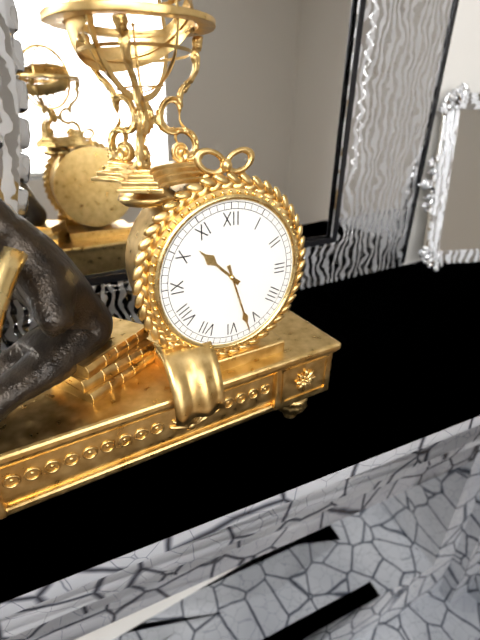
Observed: 10 h 27 min
